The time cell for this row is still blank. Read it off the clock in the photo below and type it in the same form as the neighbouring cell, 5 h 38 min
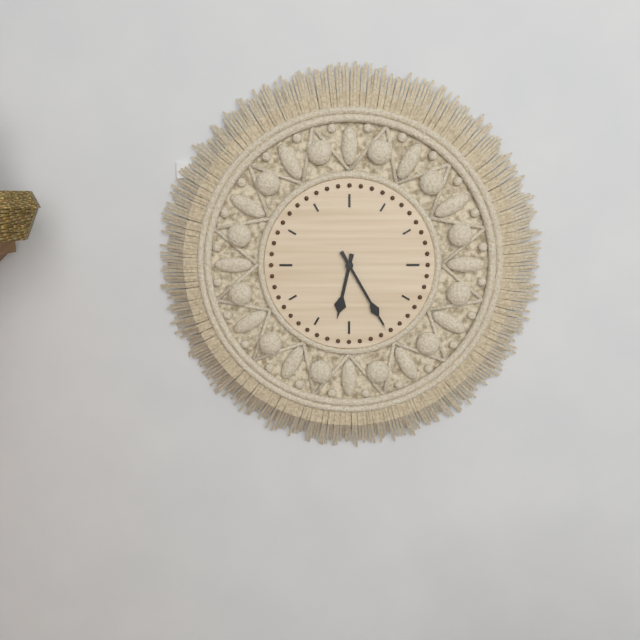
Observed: 6 h 25 min
